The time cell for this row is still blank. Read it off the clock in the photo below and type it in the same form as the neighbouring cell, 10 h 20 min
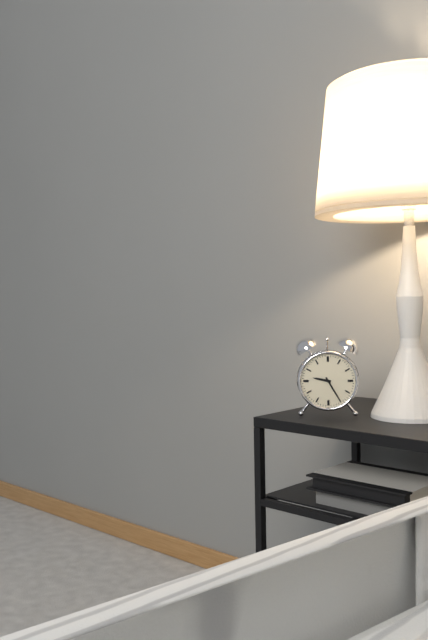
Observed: 9 h 25 min
